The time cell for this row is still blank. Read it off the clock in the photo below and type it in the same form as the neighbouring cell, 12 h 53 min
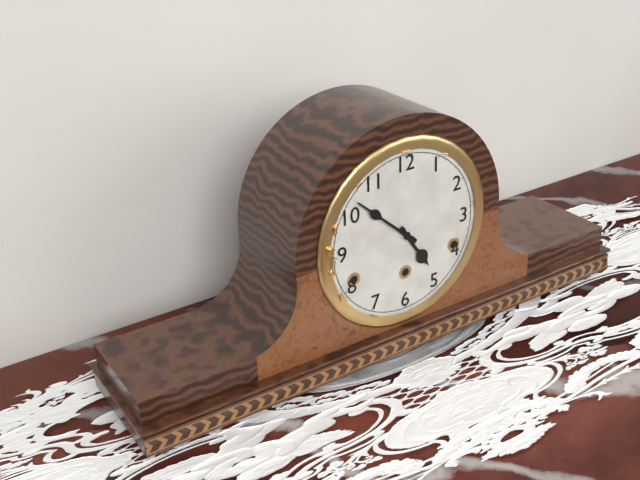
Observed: 4 h 52 min
